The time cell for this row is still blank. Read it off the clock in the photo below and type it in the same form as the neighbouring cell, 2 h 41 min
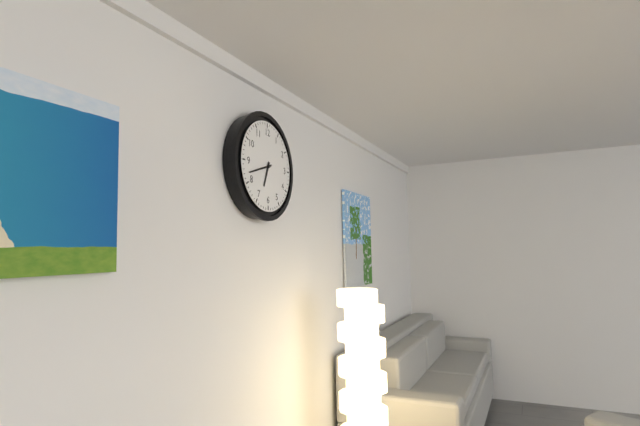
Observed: 6 h 42 min
